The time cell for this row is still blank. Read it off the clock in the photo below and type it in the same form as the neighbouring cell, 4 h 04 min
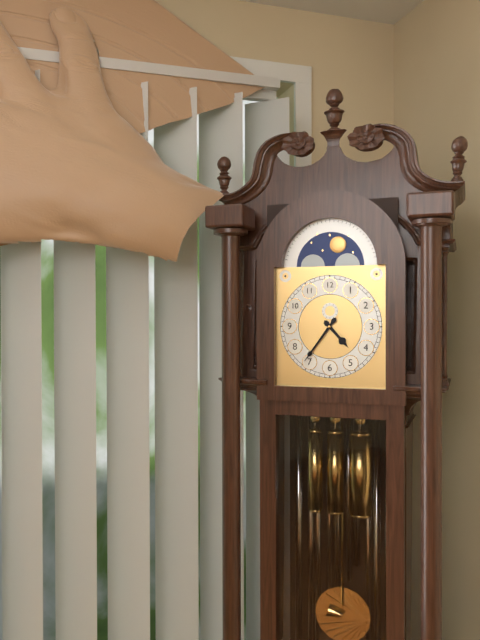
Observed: 4 h 36 min
